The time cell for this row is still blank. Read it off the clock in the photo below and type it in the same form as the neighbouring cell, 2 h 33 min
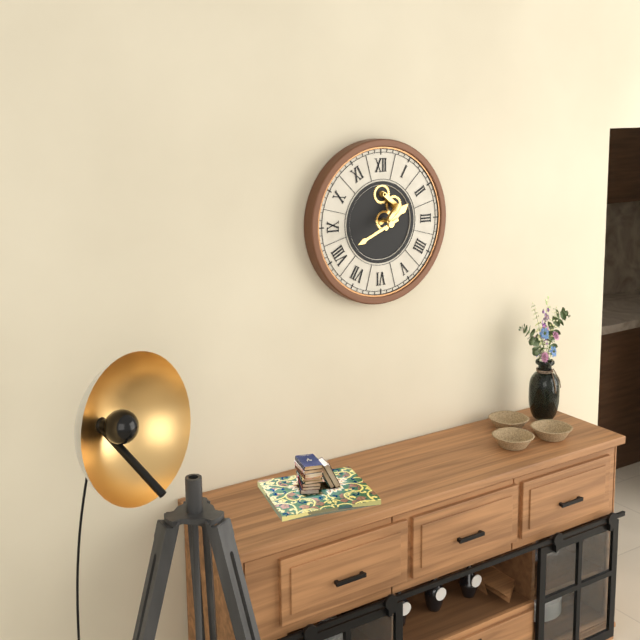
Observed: 1 h 41 min
